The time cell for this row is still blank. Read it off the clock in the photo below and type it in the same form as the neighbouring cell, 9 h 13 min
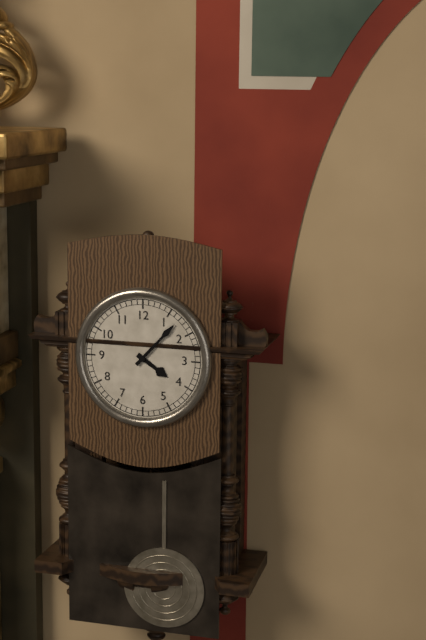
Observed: 4 h 07 min
